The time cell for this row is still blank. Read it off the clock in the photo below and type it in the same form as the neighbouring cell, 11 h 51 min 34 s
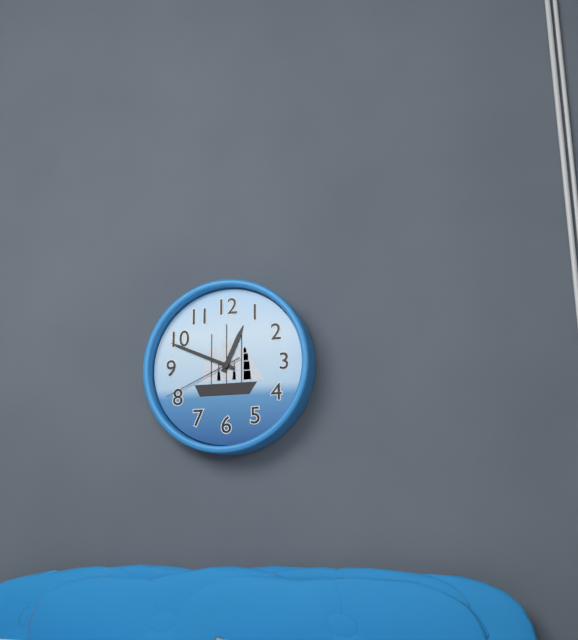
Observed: 12 h 49 min 41 s
